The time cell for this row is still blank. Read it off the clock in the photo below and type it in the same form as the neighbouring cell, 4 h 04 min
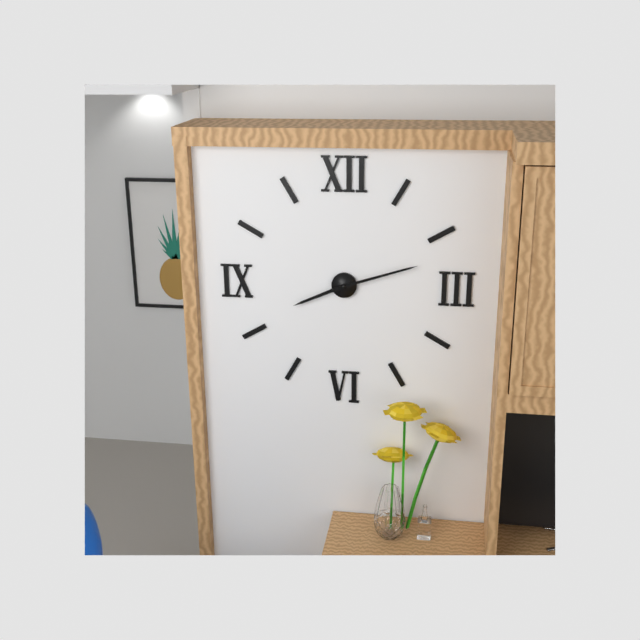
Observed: 8 h 12 min
